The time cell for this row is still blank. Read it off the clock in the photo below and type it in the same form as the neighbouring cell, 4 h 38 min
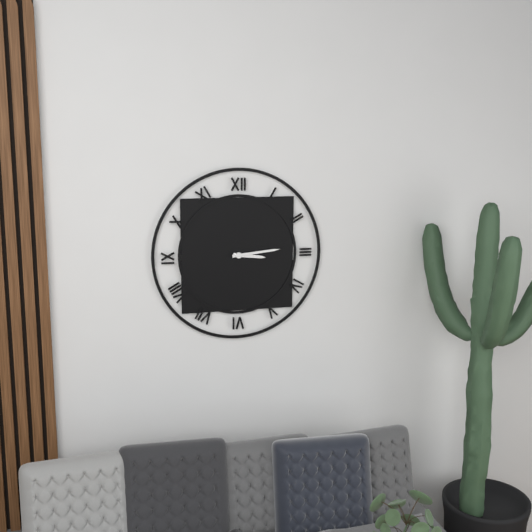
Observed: 3 h 14 min
